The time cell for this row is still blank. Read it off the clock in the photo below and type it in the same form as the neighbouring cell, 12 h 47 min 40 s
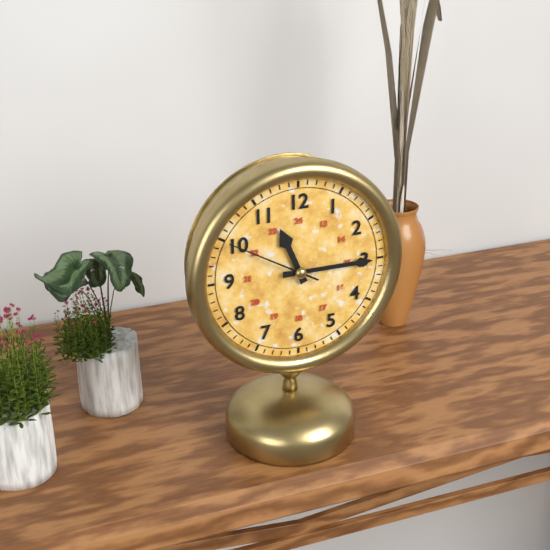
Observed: 11 h 15 min 50 s
